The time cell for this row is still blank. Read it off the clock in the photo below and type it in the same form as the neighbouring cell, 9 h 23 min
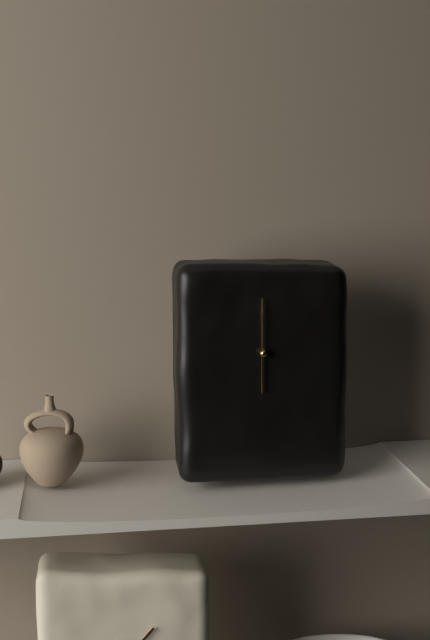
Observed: 6 h 00 min
